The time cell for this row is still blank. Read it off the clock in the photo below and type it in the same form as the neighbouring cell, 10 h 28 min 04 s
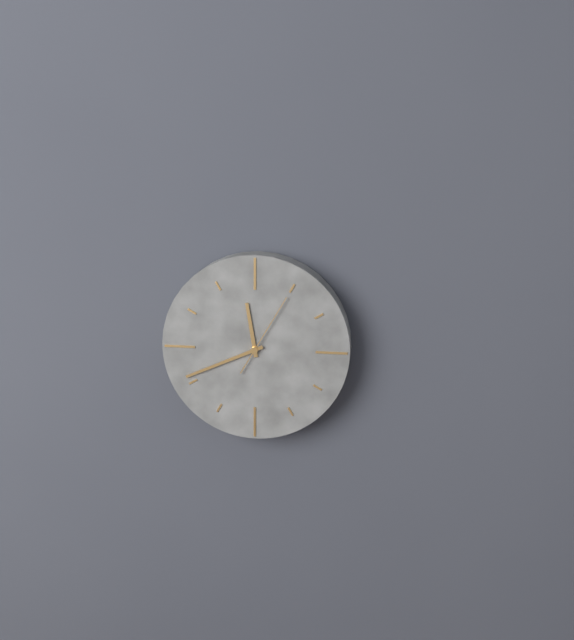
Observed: 11 h 41 min 05 s
